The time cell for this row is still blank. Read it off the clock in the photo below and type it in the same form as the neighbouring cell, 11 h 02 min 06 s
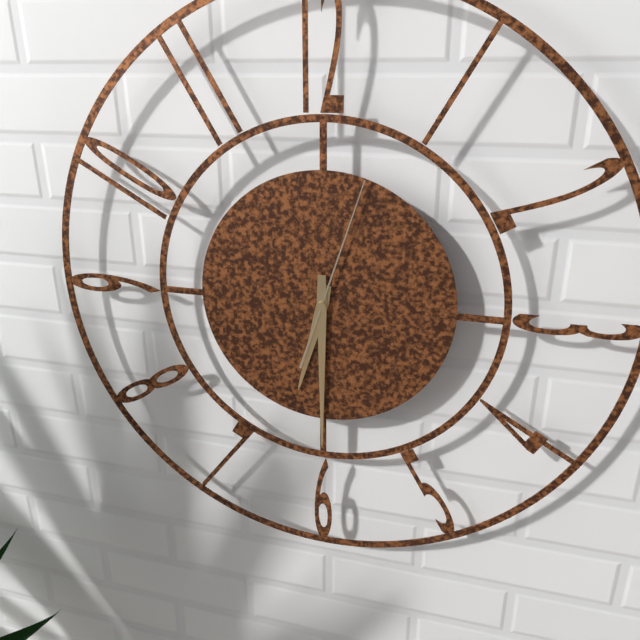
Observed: 6 h 30 min 03 s
